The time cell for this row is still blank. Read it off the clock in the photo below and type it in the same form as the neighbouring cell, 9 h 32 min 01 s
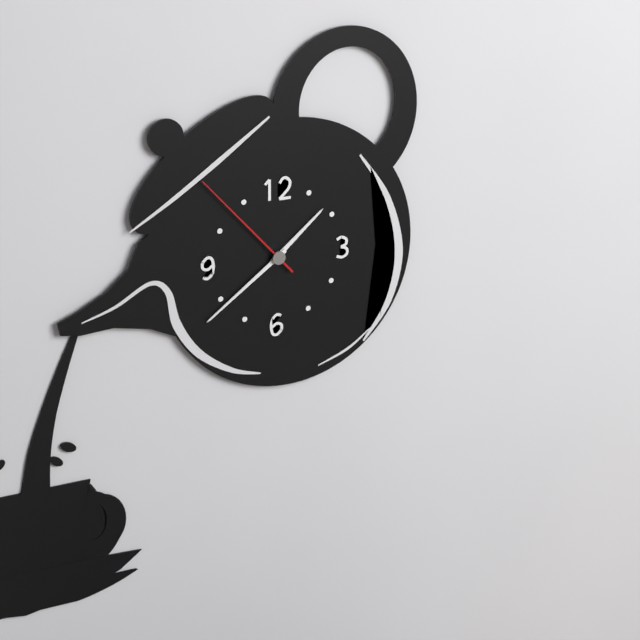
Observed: 1 h 39 min 53 s
